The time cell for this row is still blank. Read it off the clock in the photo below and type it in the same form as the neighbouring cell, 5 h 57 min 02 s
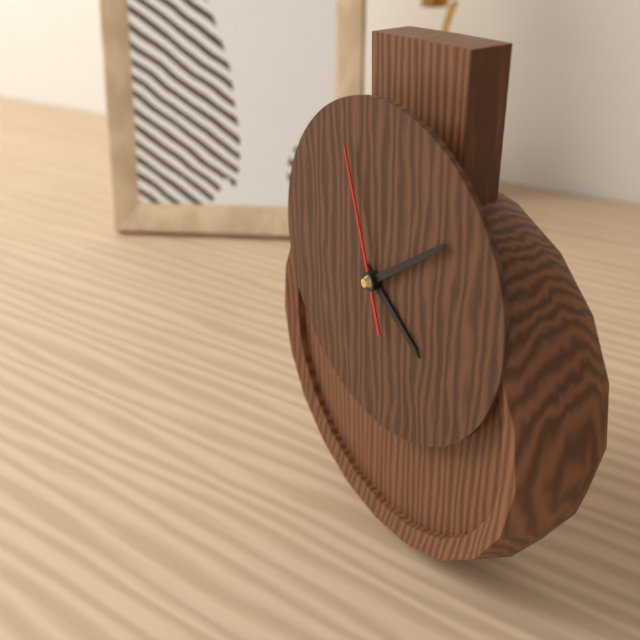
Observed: 4 h 09 min 57 s
